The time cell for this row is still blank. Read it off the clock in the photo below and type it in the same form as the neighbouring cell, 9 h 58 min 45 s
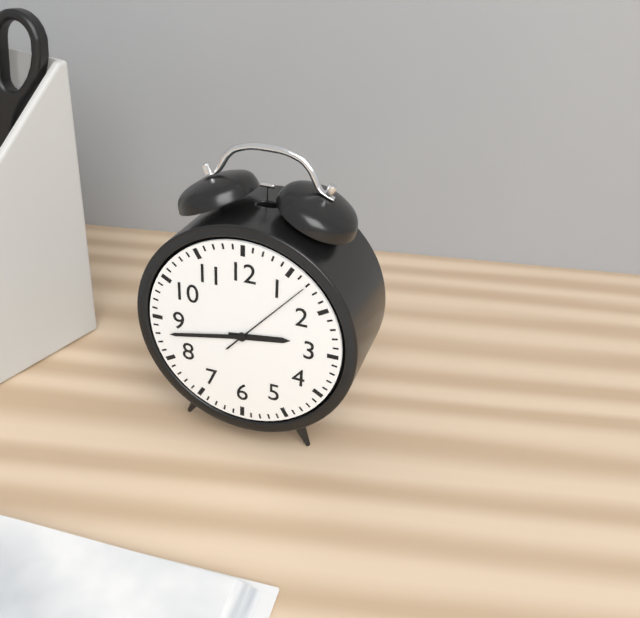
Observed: 2 h 43 min 07 s
